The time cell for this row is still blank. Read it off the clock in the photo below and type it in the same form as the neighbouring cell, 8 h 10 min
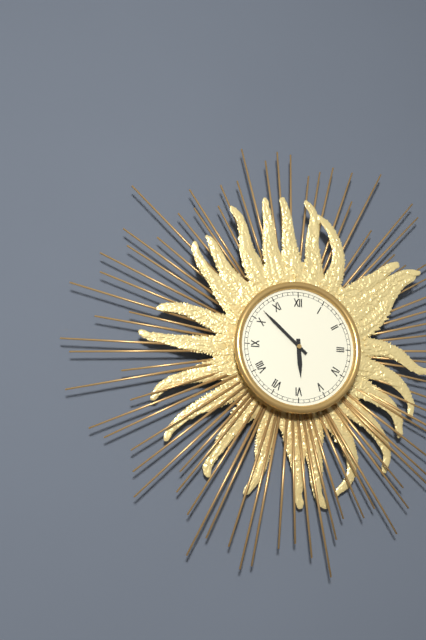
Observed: 5 h 52 min
